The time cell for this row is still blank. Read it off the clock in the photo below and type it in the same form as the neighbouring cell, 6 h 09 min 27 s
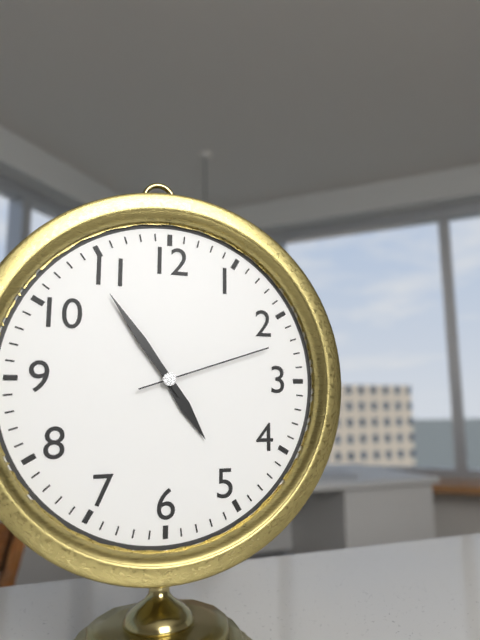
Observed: 4 h 54 min 12 s
